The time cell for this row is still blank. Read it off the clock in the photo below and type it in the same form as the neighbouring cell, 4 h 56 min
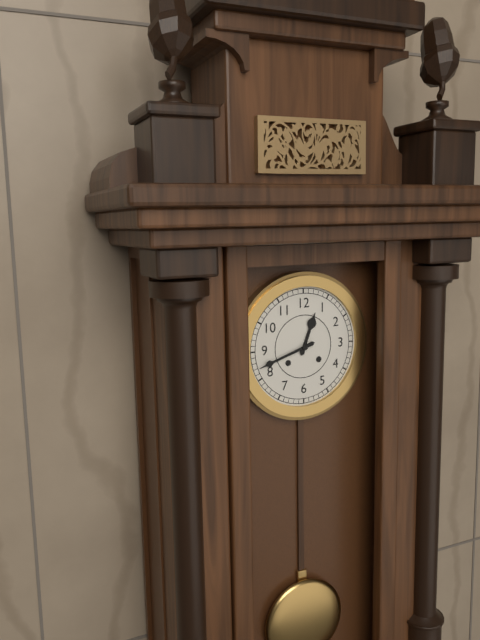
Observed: 12 h 42 min
